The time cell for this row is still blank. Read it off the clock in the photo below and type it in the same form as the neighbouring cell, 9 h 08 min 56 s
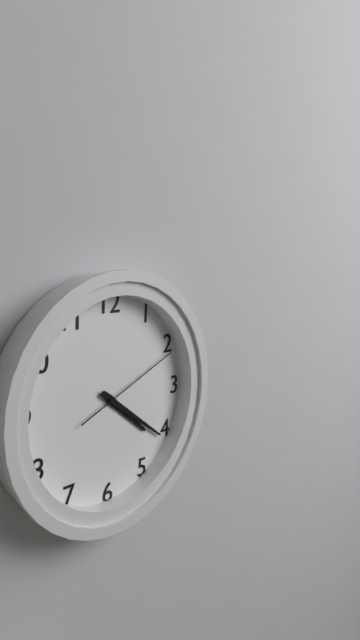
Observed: 4 h 21 min 11 s
